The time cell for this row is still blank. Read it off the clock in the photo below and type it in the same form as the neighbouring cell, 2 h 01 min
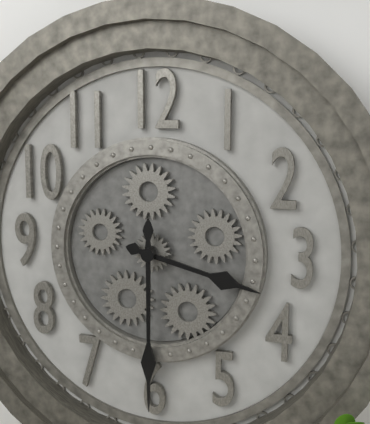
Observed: 3 h 30 min
